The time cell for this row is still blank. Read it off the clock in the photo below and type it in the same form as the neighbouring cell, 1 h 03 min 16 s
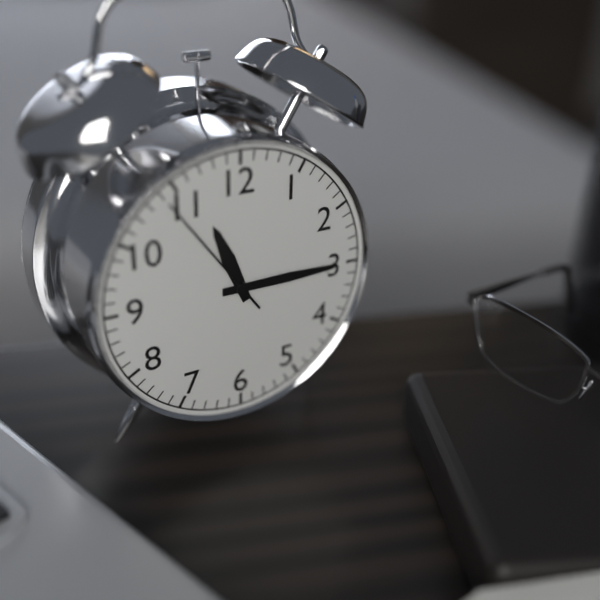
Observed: 11 h 15 min 54 s
